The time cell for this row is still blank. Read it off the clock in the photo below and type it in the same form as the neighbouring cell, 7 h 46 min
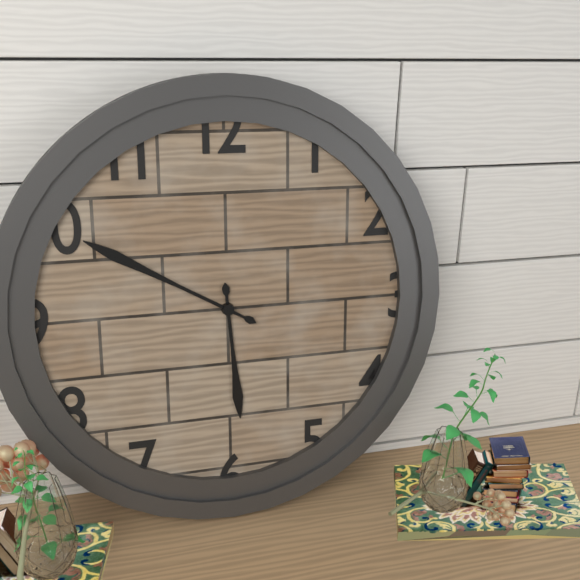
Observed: 5 h 50 min
